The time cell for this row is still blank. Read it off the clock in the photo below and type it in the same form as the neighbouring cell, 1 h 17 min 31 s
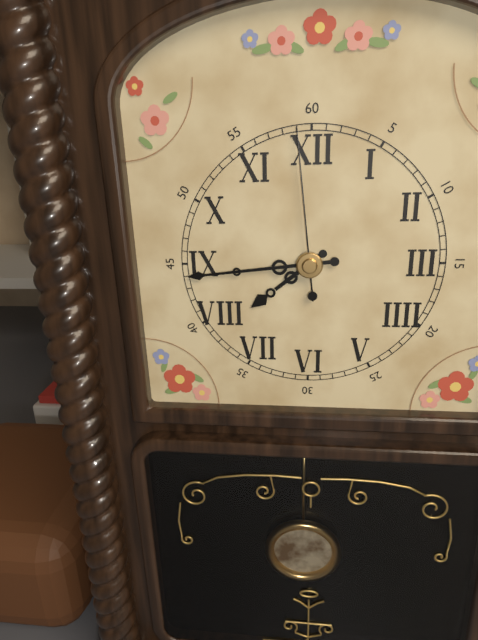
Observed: 7 h 44 min 59 s
